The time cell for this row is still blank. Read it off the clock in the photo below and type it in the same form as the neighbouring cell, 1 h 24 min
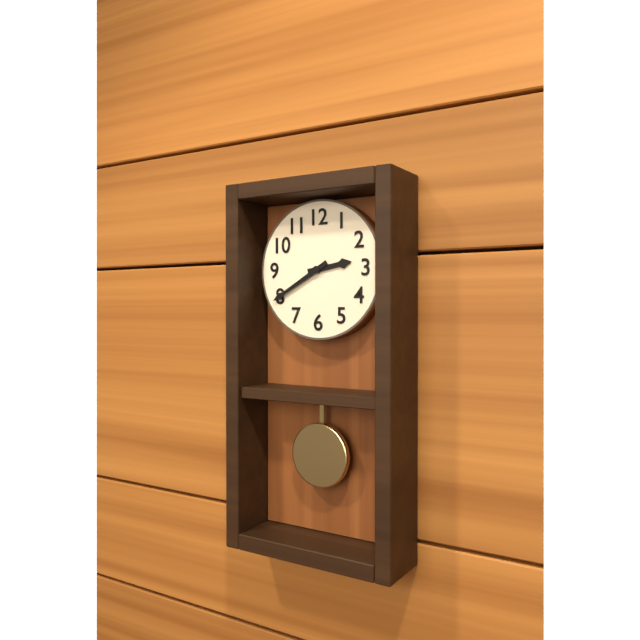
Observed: 2 h 40 min
